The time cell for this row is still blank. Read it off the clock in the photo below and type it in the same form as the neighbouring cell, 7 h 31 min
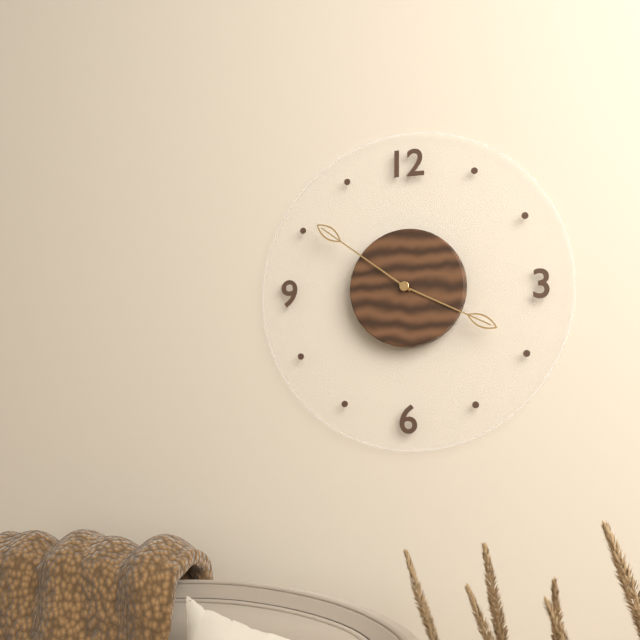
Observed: 3 h 51 min
